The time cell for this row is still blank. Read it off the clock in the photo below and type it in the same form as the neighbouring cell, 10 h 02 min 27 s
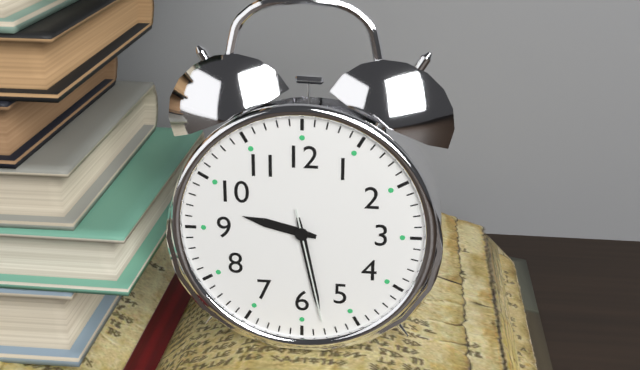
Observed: 9 h 28 min 28 s
